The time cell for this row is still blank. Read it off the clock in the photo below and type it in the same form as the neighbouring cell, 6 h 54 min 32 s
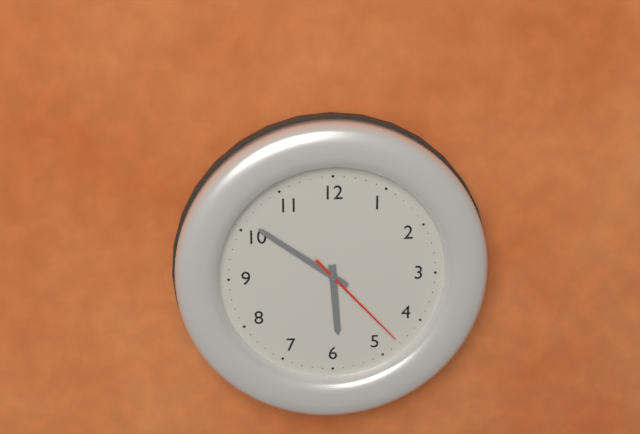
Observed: 5 h 51 min 23 s
